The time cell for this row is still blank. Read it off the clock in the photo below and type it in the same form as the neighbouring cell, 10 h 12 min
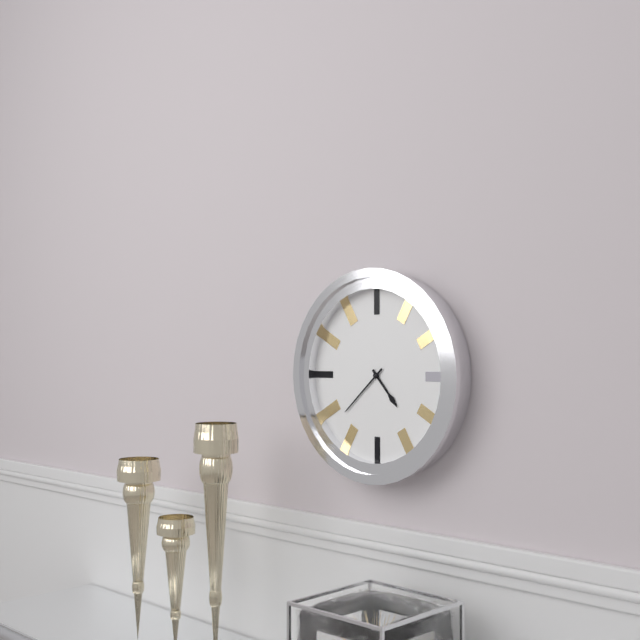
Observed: 4 h 38 min
